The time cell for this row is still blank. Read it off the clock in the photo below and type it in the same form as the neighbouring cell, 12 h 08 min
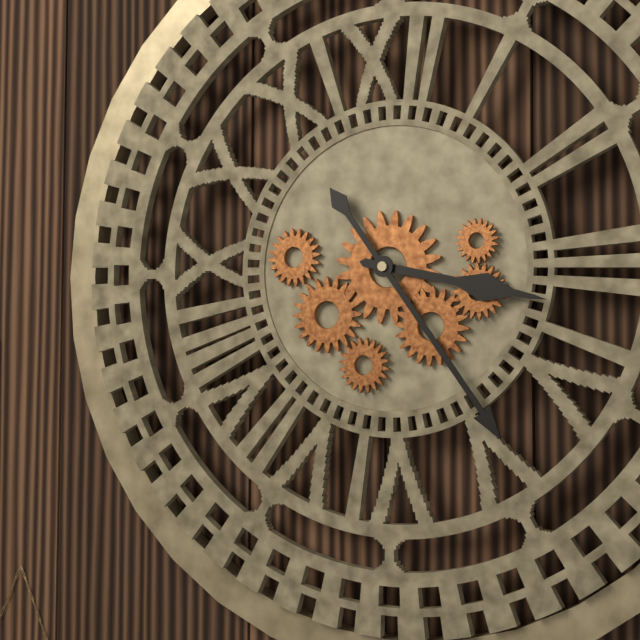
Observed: 3 h 24 min
